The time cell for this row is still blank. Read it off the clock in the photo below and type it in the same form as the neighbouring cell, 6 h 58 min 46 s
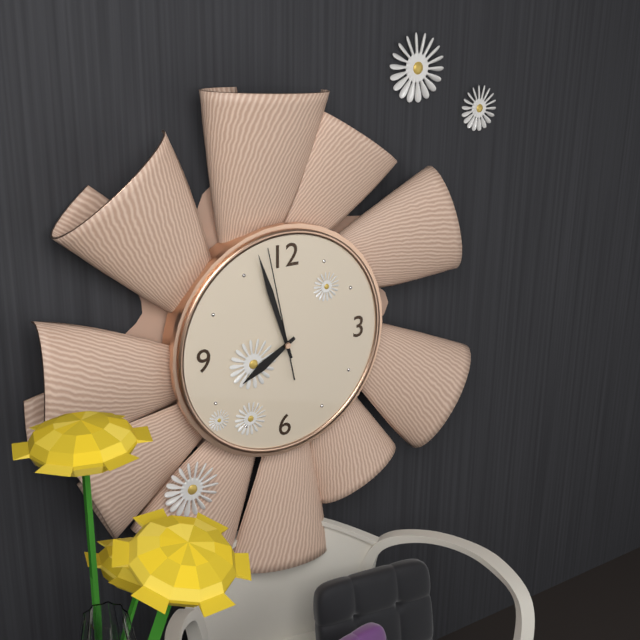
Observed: 7 h 57 min 58 s
